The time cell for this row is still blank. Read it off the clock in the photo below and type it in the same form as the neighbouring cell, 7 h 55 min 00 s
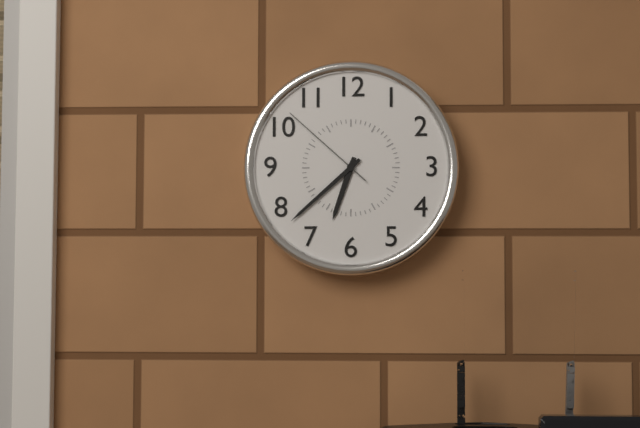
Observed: 6 h 38 min 52 s
